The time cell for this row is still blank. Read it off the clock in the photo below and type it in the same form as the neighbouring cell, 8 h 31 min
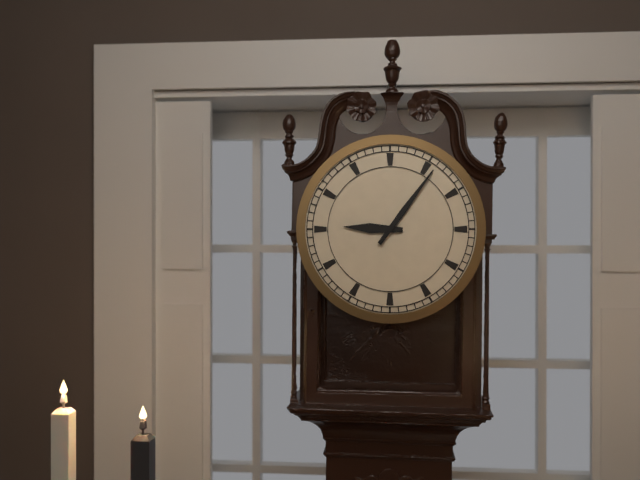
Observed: 9 h 06 min
